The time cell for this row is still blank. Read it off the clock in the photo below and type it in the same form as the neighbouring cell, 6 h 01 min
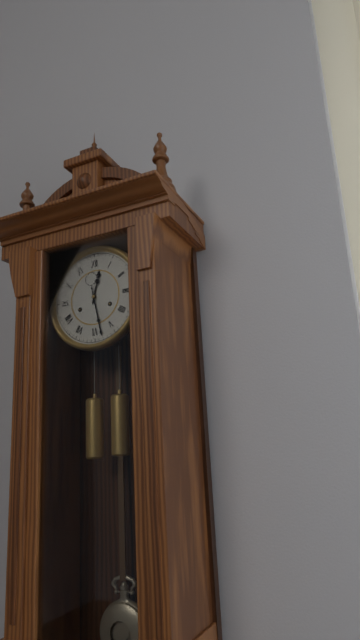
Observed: 12 h 28 min
